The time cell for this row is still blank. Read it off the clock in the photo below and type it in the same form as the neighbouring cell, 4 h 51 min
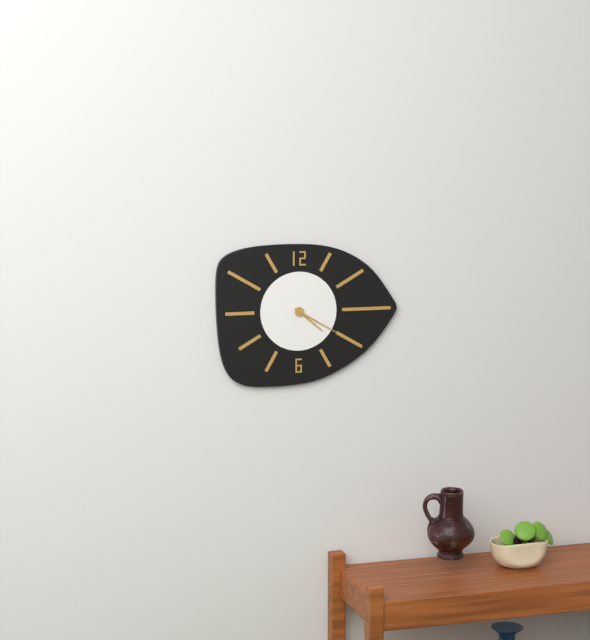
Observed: 4 h 20 min
